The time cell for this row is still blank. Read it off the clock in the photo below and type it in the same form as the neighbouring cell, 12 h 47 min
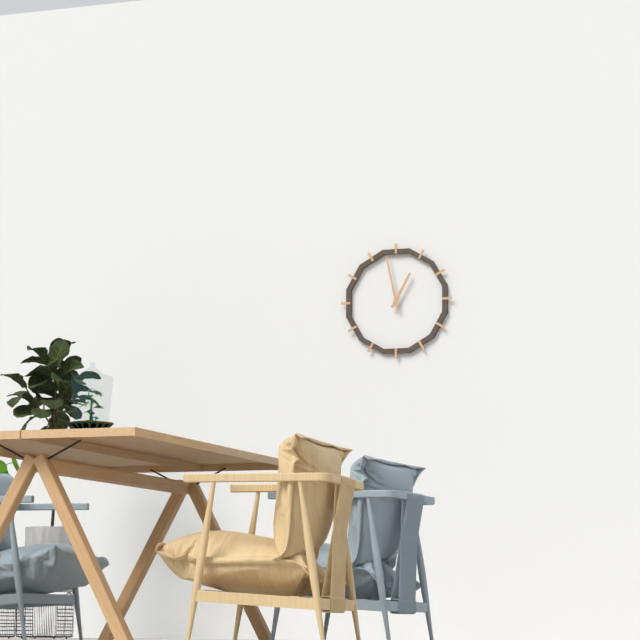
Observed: 12 h 58 min
